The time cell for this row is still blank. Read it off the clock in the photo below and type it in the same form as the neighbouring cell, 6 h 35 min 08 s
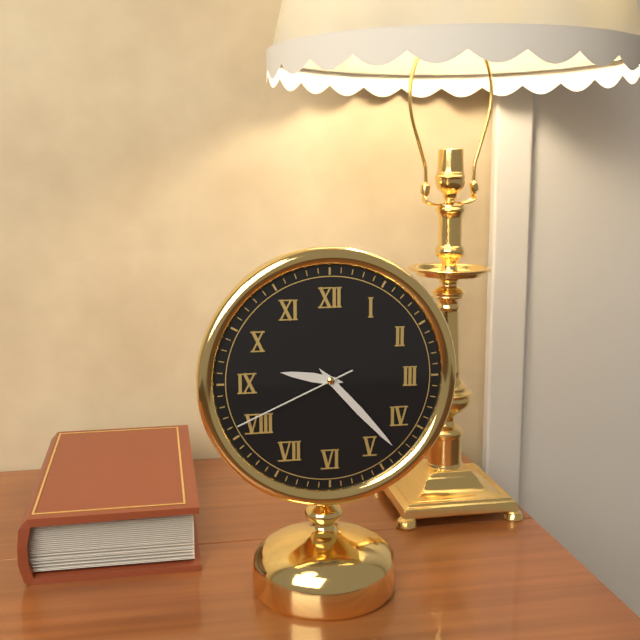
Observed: 9 h 23 min 41 s
